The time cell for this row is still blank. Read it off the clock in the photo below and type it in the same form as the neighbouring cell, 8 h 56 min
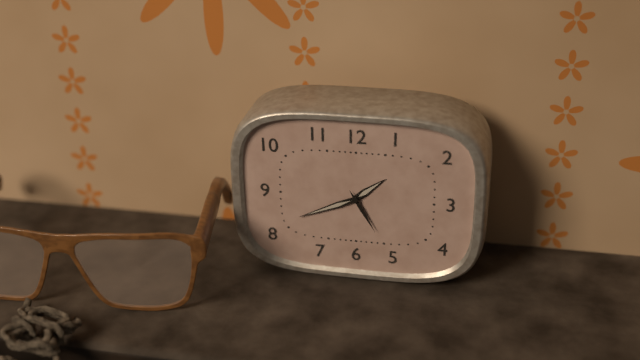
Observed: 1 h 41 min
